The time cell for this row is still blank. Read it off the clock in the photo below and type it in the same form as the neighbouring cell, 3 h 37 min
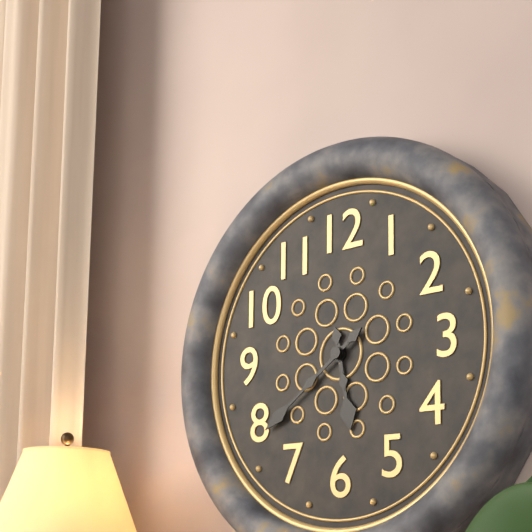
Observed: 5 h 39 min
